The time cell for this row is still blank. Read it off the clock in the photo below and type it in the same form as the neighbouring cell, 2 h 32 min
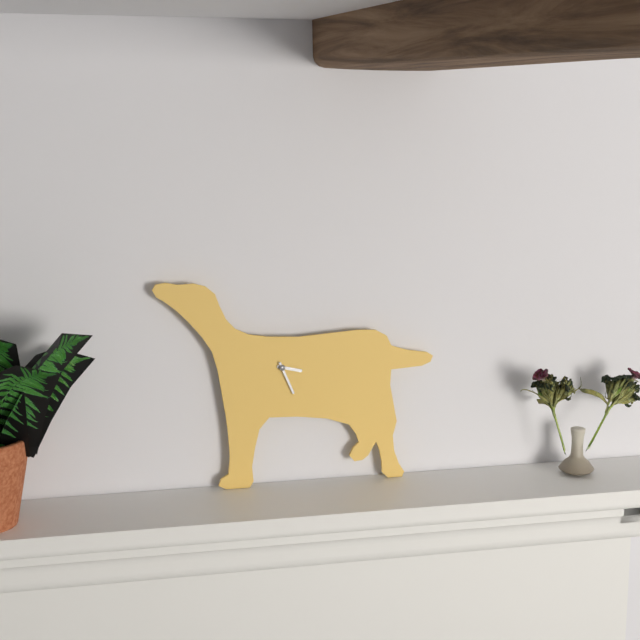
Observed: 3 h 26 min
